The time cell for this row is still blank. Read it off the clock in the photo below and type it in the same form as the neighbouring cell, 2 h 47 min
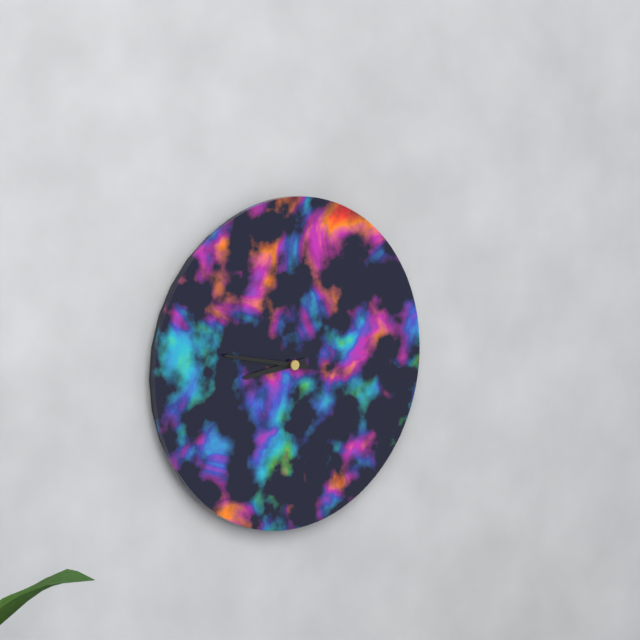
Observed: 8 h 47 min
